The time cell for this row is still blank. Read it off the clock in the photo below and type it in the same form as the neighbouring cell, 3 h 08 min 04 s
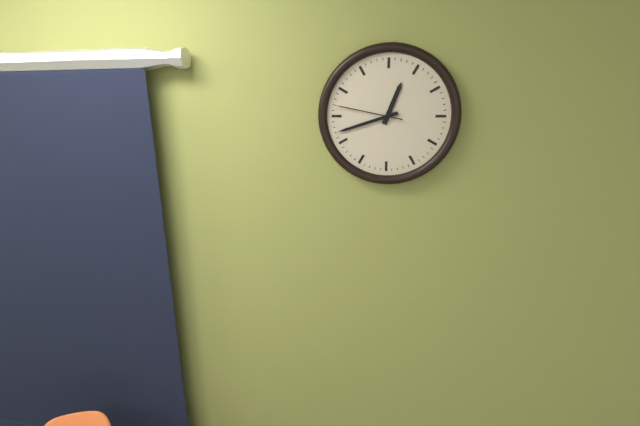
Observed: 12 h 42 min 47 s
